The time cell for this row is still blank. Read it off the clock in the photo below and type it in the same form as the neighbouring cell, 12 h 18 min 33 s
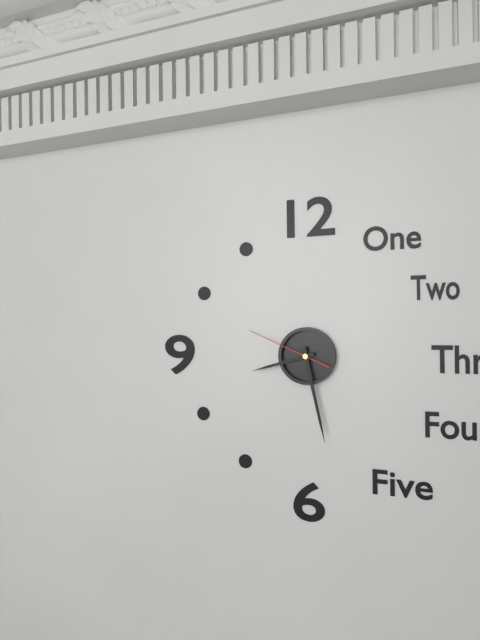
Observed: 8 h 28 min 49 s
